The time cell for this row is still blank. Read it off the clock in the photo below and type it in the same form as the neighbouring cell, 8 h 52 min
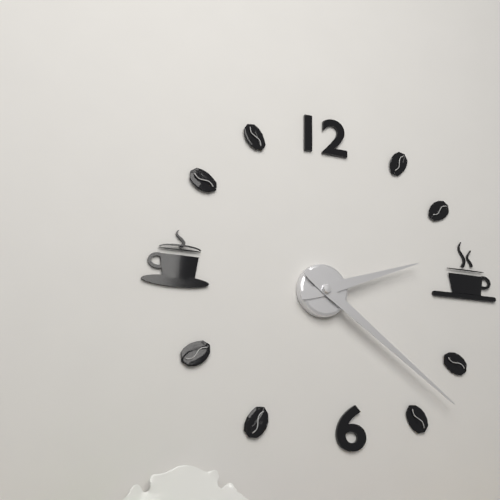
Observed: 2 h 21 min
